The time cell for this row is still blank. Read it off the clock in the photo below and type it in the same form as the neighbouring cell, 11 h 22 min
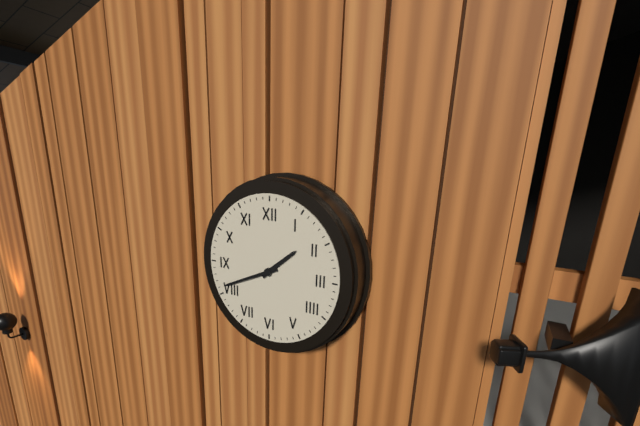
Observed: 1 h 41 min
